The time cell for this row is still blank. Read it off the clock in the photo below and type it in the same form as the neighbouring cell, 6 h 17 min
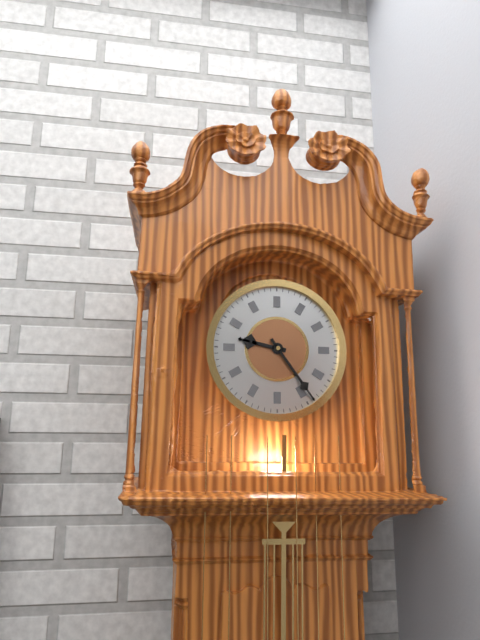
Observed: 9 h 24 min
